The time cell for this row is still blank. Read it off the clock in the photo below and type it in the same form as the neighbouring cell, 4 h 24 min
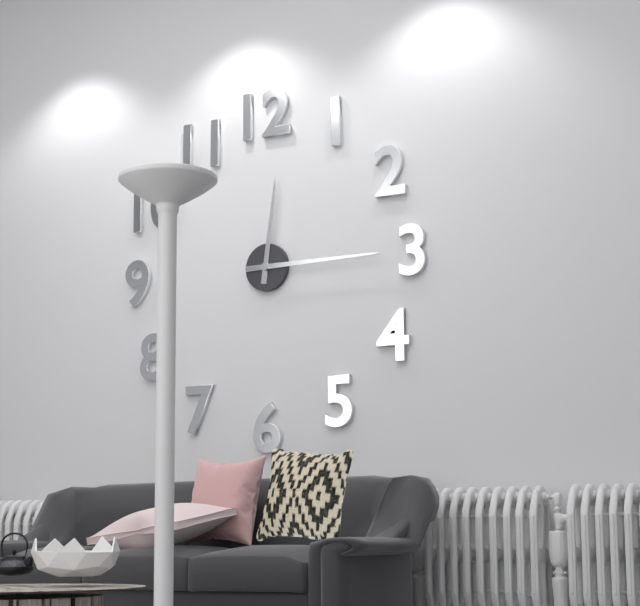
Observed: 12 h 15 min
